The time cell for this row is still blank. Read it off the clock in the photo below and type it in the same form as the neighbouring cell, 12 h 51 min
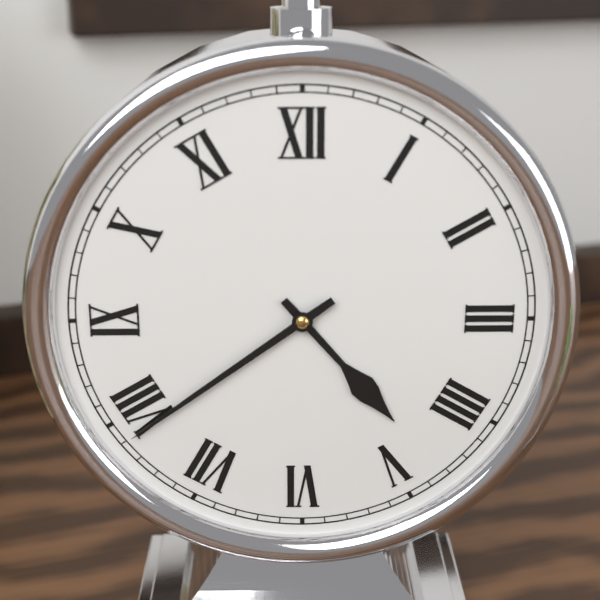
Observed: 4 h 39 min
